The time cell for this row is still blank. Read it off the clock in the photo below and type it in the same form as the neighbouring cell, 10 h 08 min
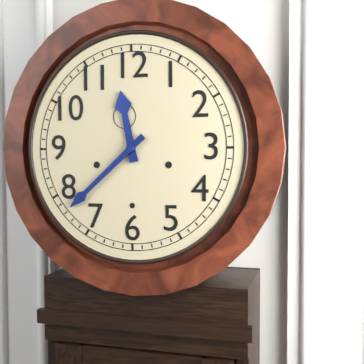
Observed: 11 h 38 min
